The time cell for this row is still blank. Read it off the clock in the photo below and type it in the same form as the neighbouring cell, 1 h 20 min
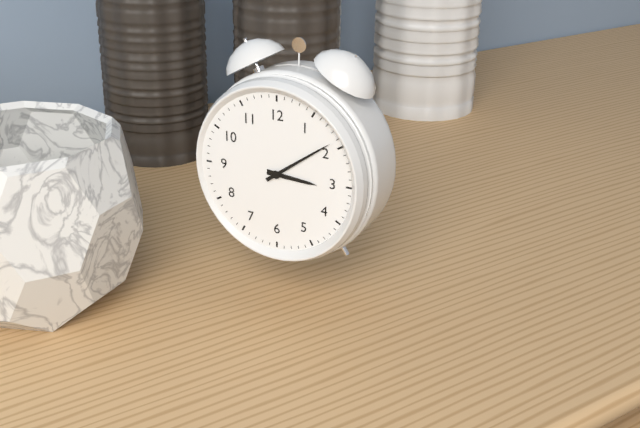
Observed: 3 h 09 min
